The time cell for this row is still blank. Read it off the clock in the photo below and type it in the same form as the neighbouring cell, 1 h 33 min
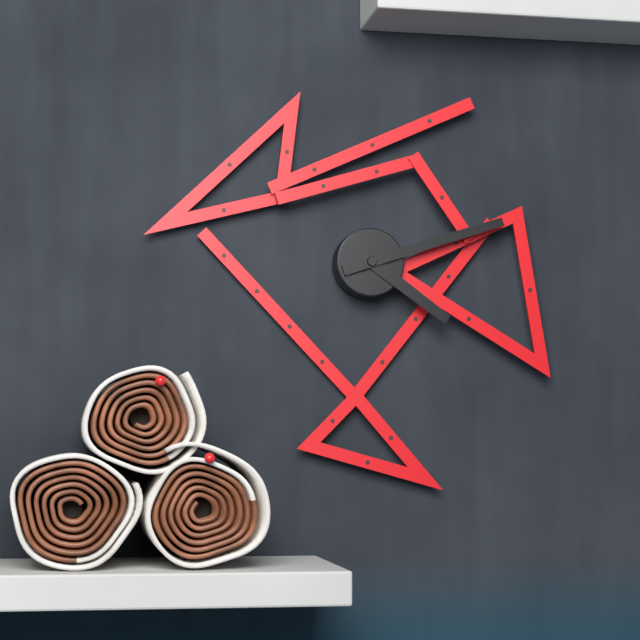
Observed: 4 h 12 min
